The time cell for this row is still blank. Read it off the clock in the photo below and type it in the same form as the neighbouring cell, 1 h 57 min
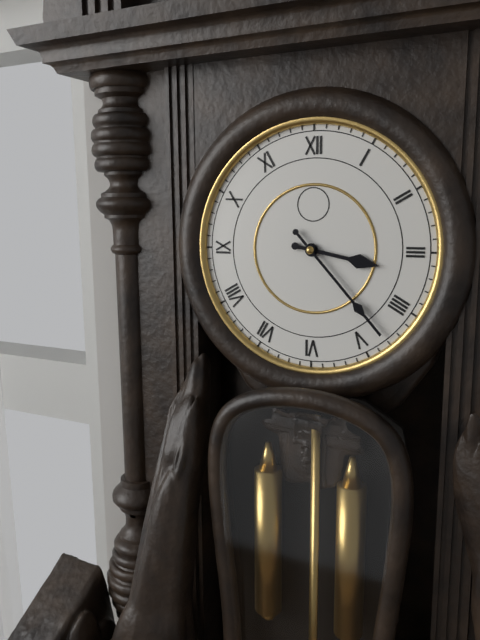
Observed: 3 h 23 min
